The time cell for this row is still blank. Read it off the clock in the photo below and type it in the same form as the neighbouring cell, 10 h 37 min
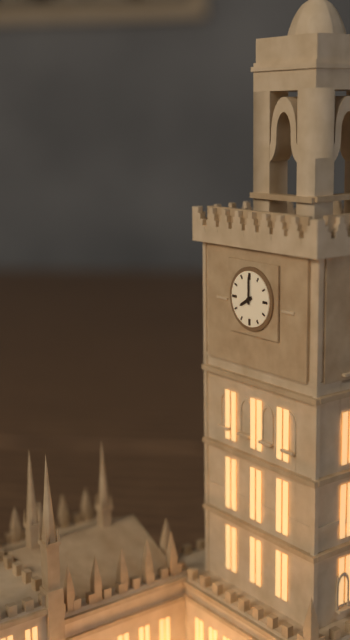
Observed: 8 h 00 min
